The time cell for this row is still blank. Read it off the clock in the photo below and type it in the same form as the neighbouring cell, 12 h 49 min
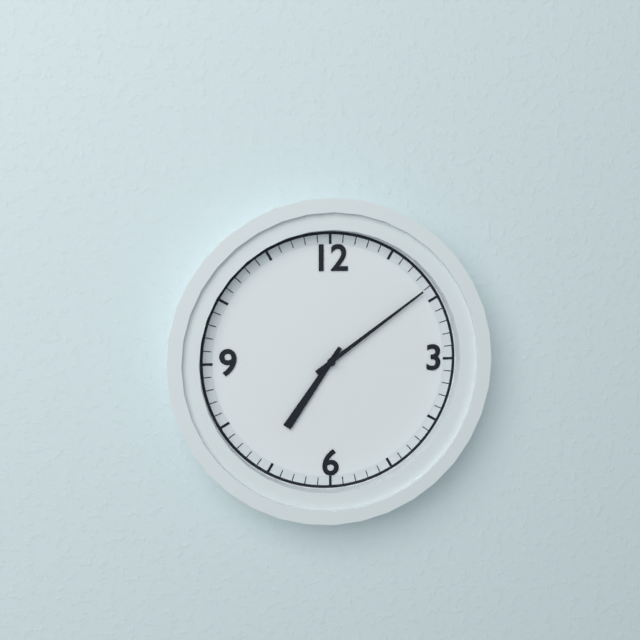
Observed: 7 h 09 min
